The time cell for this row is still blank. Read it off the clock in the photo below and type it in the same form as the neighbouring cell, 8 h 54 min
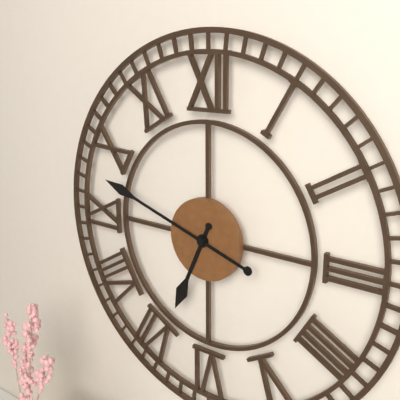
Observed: 6 h 48 min
